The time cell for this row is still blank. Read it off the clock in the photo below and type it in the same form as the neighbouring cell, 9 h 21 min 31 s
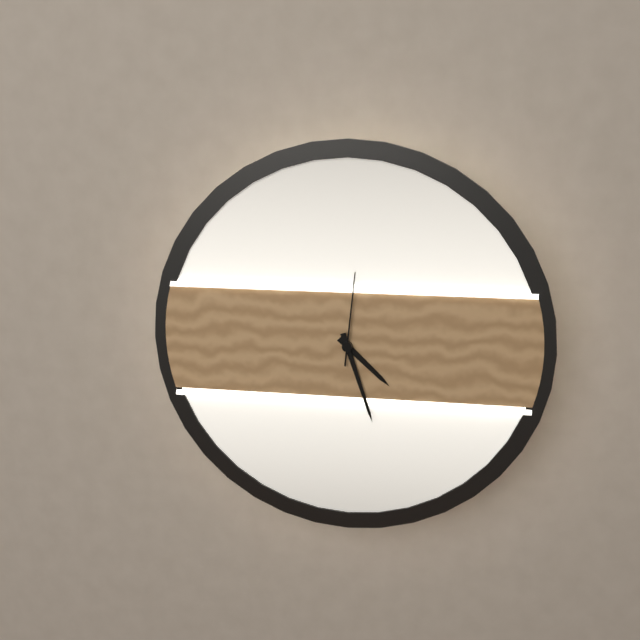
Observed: 4 h 27 min 01 s
